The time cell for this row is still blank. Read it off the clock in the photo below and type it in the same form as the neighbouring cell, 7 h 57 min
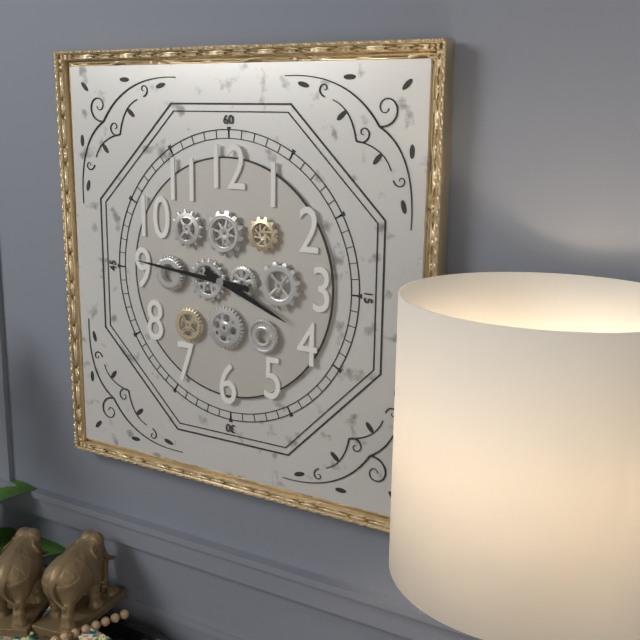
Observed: 3 h 46 min
